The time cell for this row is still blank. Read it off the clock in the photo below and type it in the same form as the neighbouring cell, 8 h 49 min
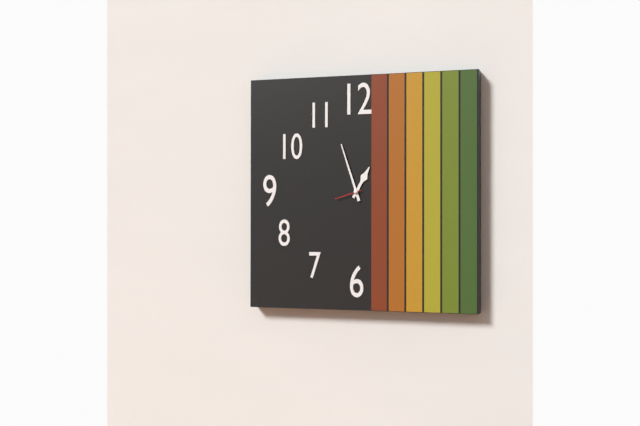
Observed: 12 h 57 min
